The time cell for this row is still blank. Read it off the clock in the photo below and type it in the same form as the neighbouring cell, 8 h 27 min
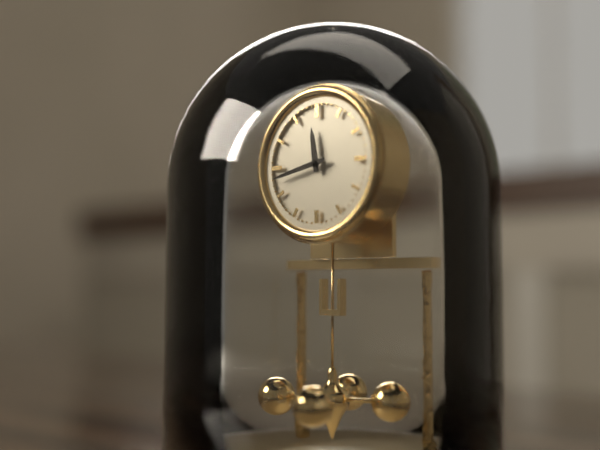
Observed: 11 h 43 min
